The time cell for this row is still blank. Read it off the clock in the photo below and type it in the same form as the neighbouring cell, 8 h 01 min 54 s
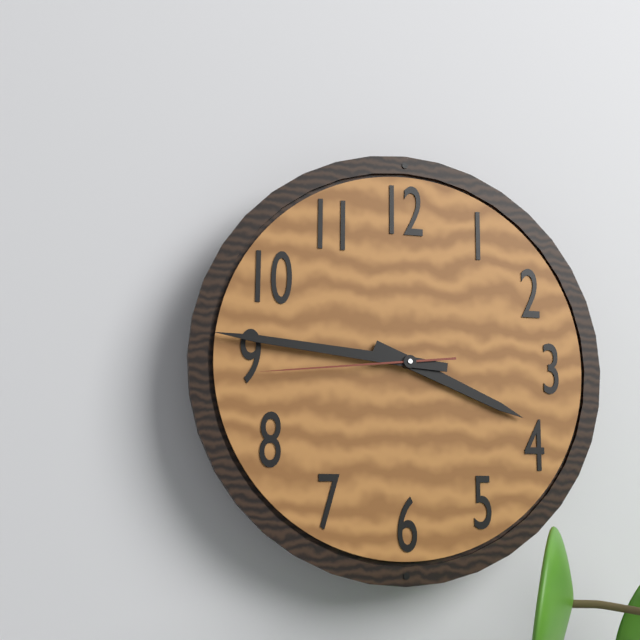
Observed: 3 h 46 min 44 s
